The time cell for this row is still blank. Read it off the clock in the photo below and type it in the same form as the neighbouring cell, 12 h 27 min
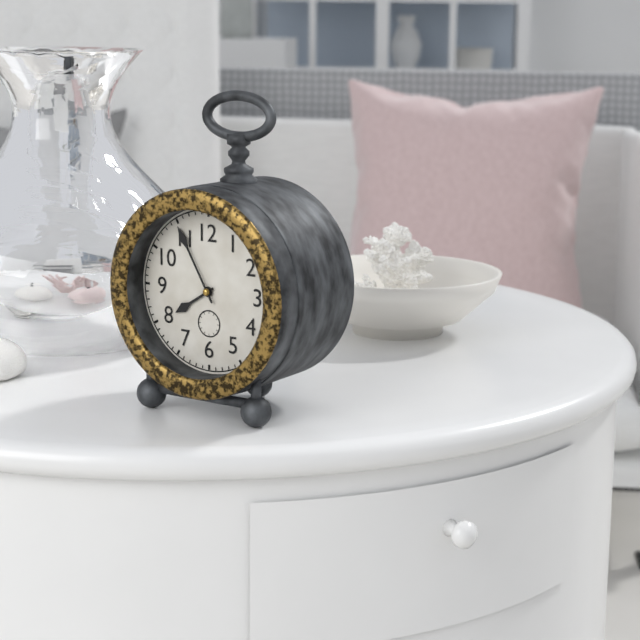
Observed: 7 h 55 min
